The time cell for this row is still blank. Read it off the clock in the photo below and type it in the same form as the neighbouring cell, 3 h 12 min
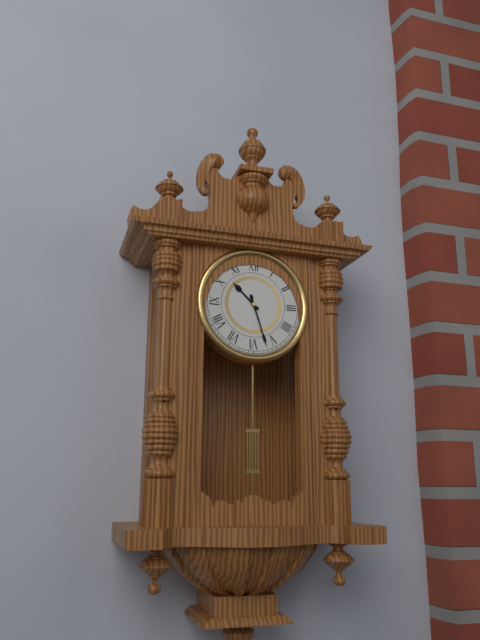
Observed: 10 h 27 min
